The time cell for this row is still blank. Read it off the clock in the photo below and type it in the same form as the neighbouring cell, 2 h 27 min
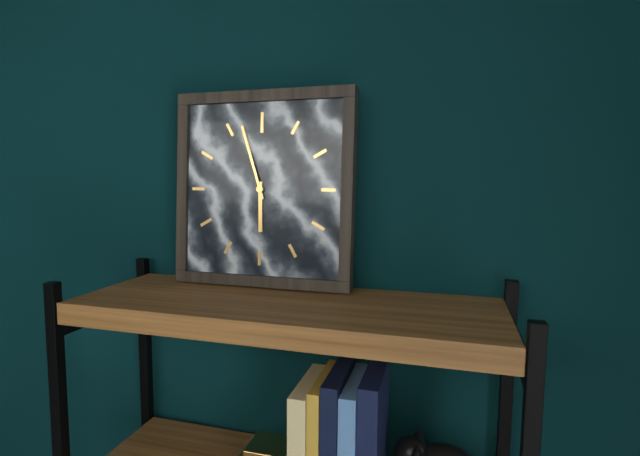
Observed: 5 h 57 min
